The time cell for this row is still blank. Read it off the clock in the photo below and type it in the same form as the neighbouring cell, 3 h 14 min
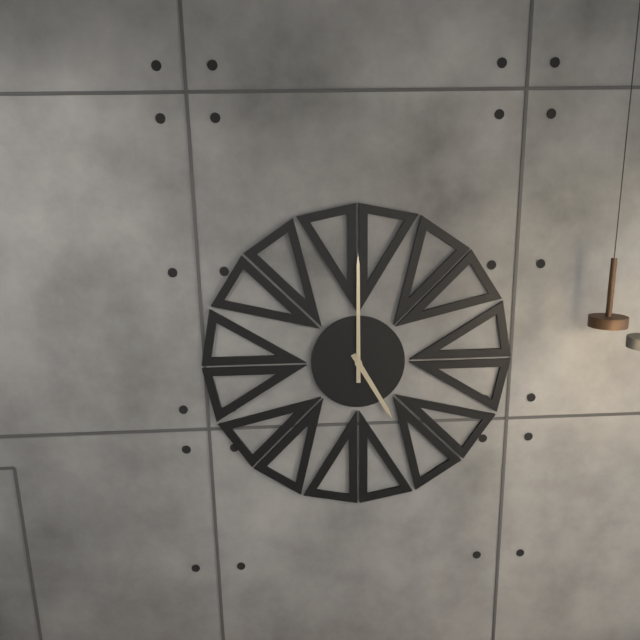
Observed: 5 h 00 min
